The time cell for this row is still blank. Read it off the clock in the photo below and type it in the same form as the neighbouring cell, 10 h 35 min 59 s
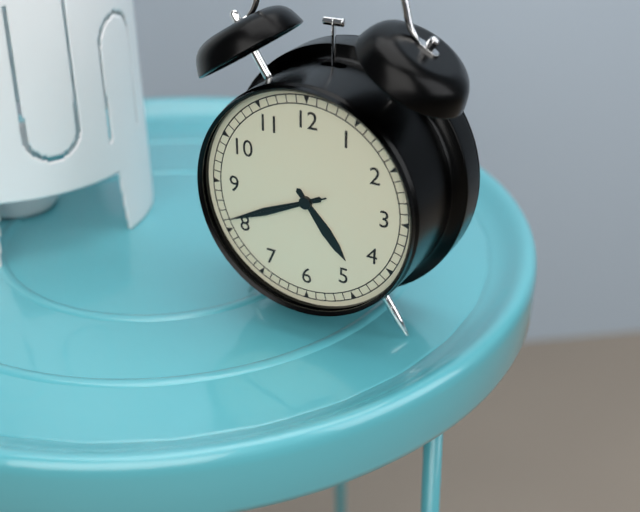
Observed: 4 h 41 min 41 s
